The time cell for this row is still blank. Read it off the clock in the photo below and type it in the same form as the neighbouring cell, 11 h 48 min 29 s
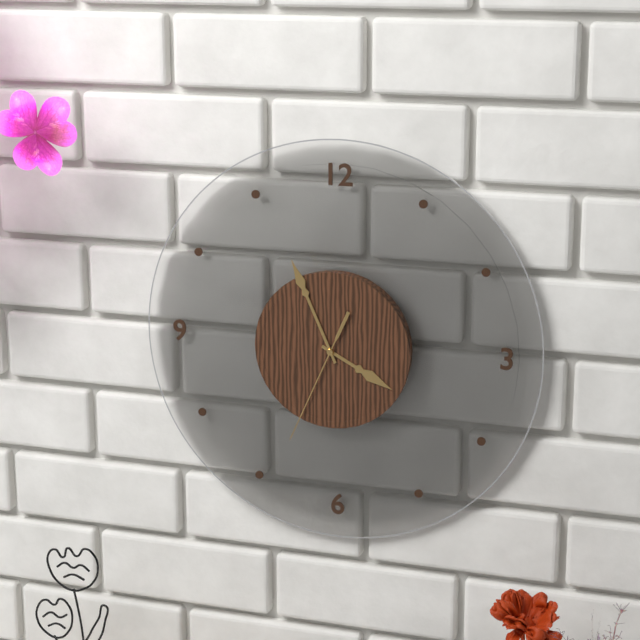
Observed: 3 h 56 min 34 s
